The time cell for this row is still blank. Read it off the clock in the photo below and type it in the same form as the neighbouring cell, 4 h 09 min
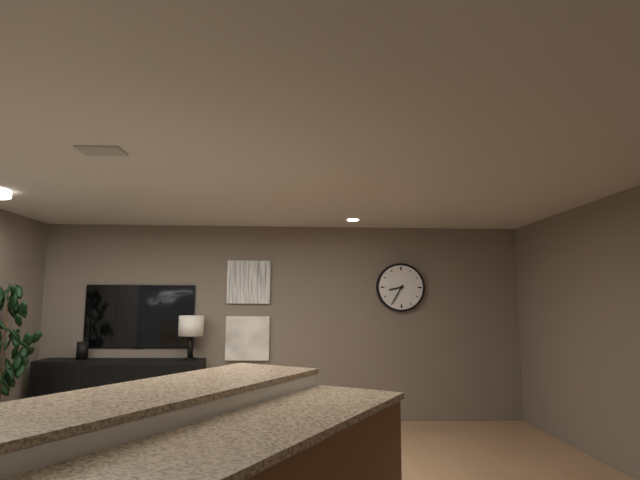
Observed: 8 h 35 min
